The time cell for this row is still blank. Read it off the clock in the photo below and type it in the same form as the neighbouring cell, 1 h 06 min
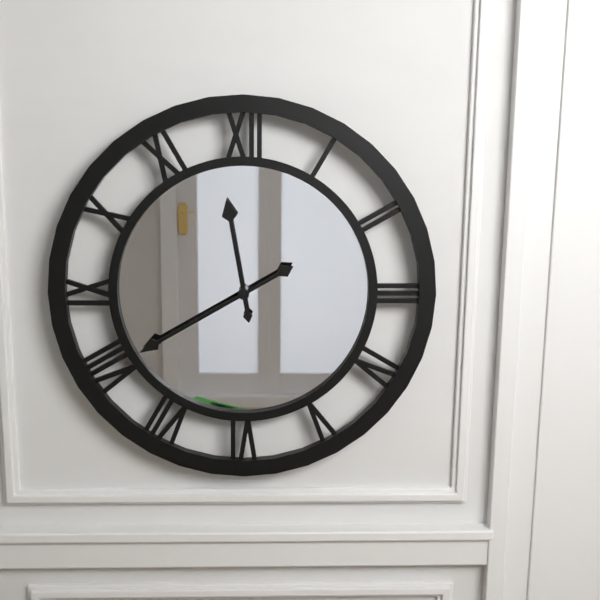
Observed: 11 h 40 min
